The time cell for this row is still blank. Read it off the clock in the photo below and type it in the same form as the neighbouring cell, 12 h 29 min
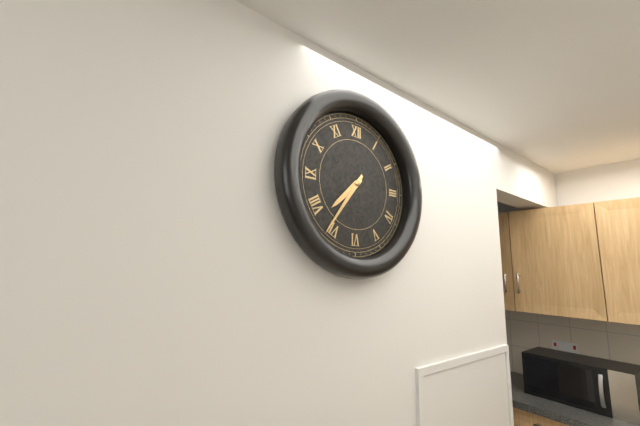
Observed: 7 h 36 min
